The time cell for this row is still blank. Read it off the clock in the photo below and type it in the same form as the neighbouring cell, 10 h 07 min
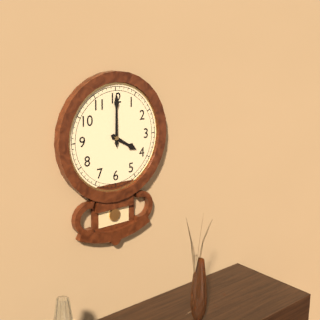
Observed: 4 h 00 min
